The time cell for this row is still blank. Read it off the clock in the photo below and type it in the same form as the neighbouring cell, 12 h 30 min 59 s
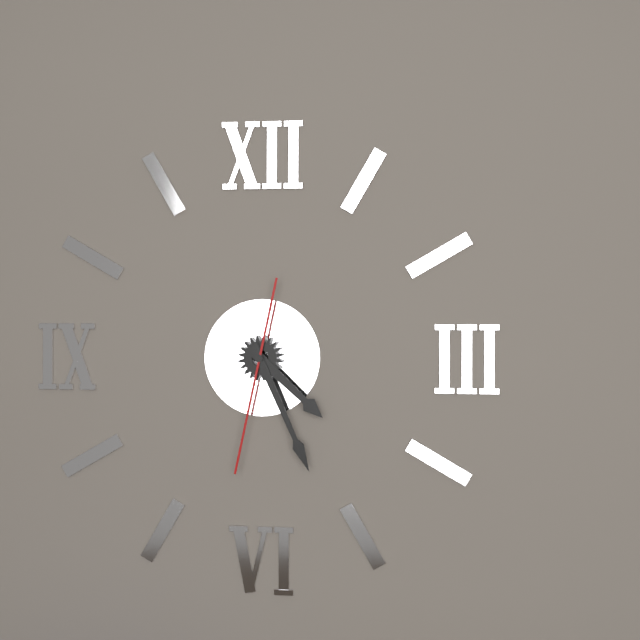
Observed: 4 h 26 min 32 s
